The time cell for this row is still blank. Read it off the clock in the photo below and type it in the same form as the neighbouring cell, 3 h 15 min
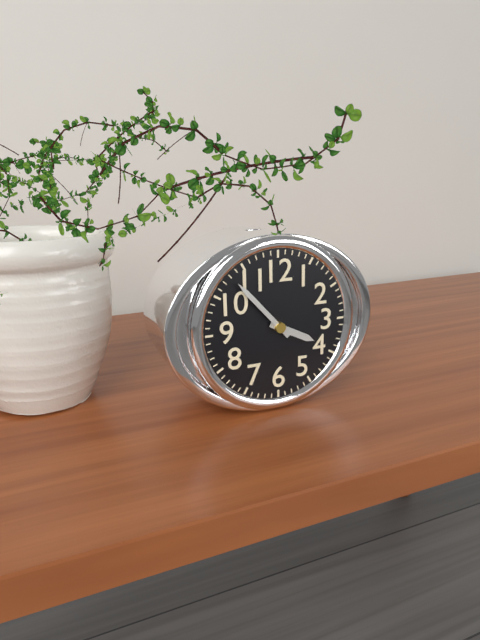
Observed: 3 h 53 min
